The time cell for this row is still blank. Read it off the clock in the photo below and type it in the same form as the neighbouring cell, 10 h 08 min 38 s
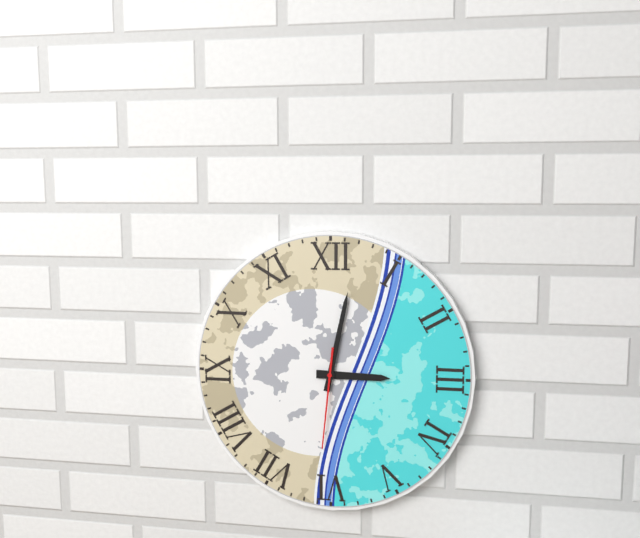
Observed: 3 h 02 min 31 s
